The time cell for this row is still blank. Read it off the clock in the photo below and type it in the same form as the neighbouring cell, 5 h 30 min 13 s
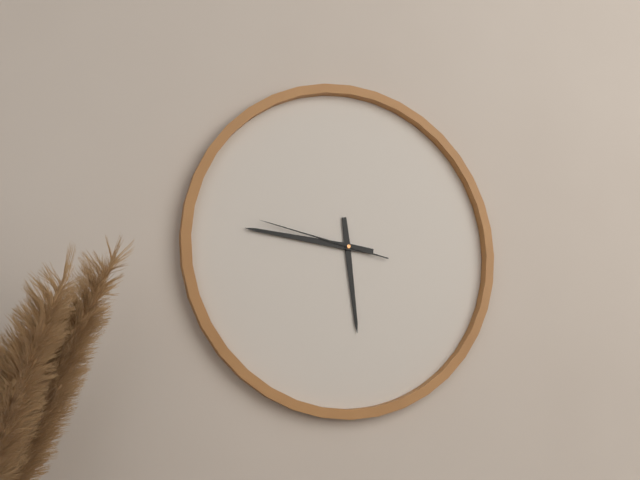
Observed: 5 h 46 min 47 s
